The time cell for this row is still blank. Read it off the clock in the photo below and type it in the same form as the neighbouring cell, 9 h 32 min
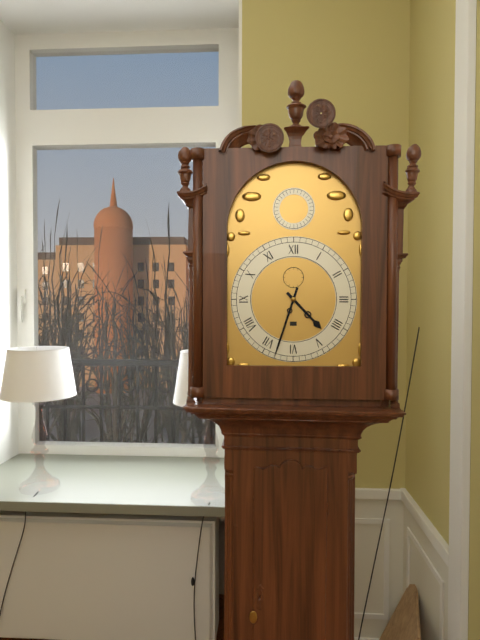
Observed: 4 h 33 min
